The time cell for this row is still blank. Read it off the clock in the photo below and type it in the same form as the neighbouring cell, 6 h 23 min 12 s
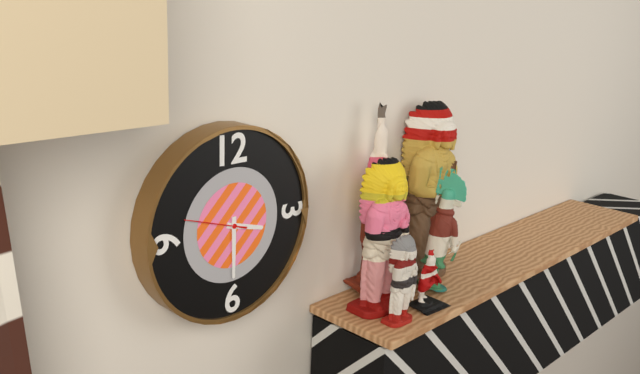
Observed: 3 h 30 min 48 s
